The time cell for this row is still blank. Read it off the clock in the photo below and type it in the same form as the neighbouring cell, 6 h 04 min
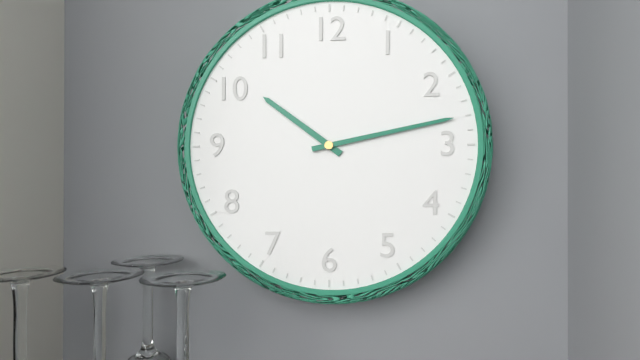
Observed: 10 h 13 min
